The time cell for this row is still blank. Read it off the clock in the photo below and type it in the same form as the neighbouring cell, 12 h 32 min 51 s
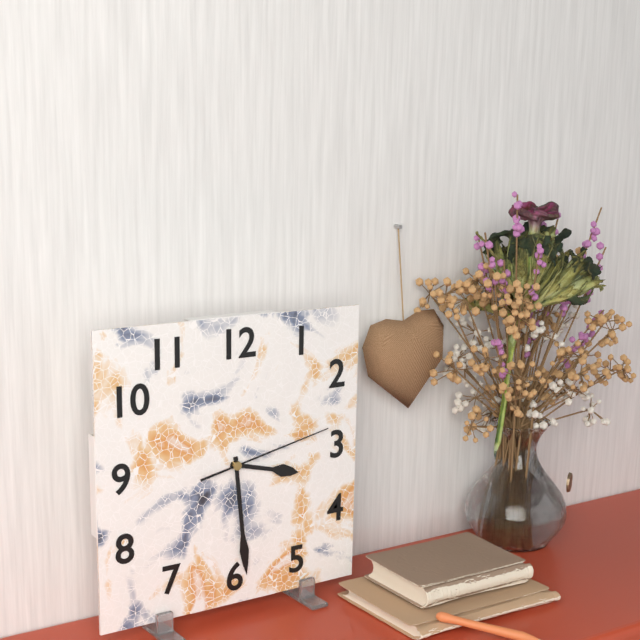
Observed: 3 h 29 min 13 s
